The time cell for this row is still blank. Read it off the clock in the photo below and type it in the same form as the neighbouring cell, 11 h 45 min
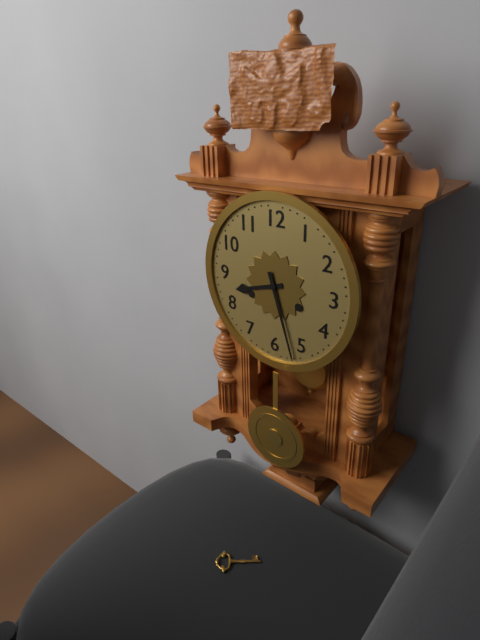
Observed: 8 h 27 min
